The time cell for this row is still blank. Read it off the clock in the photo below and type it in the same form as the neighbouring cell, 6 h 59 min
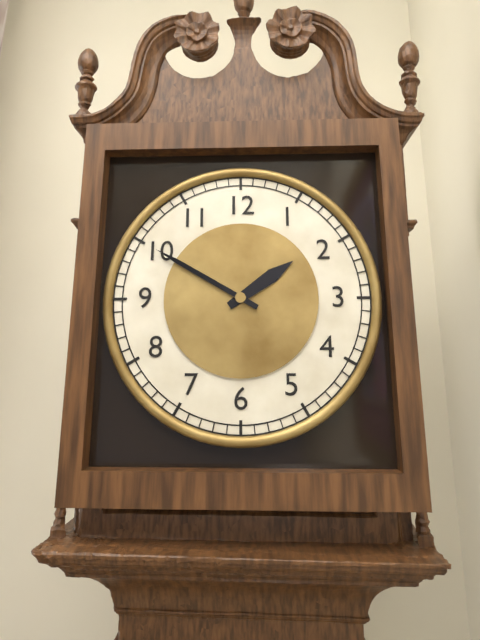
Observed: 1 h 50 min
